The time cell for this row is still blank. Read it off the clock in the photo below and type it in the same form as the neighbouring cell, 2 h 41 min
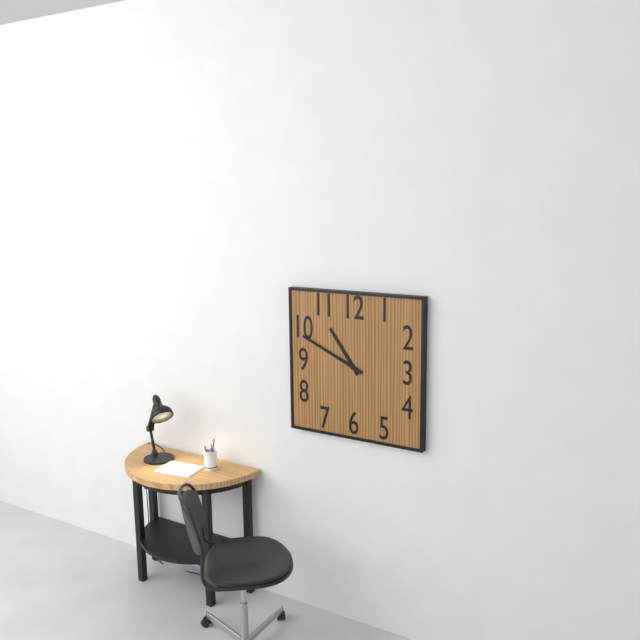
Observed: 10 h 49 min
